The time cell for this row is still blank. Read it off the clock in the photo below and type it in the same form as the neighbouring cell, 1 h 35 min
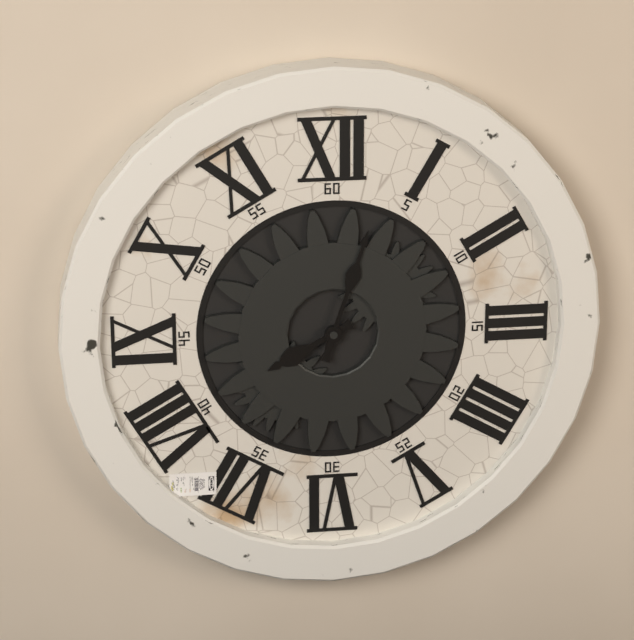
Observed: 8 h 03 min
